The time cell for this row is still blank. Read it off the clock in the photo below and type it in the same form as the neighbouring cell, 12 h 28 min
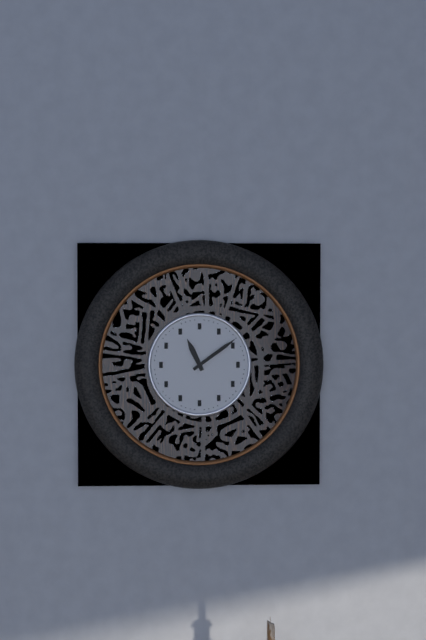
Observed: 11 h 09 min
